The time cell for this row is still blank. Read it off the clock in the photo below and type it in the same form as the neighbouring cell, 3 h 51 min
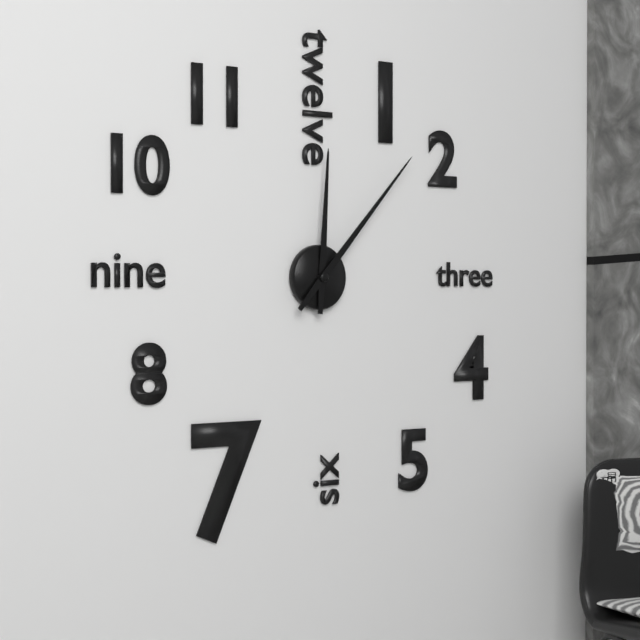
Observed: 12 h 07 min
